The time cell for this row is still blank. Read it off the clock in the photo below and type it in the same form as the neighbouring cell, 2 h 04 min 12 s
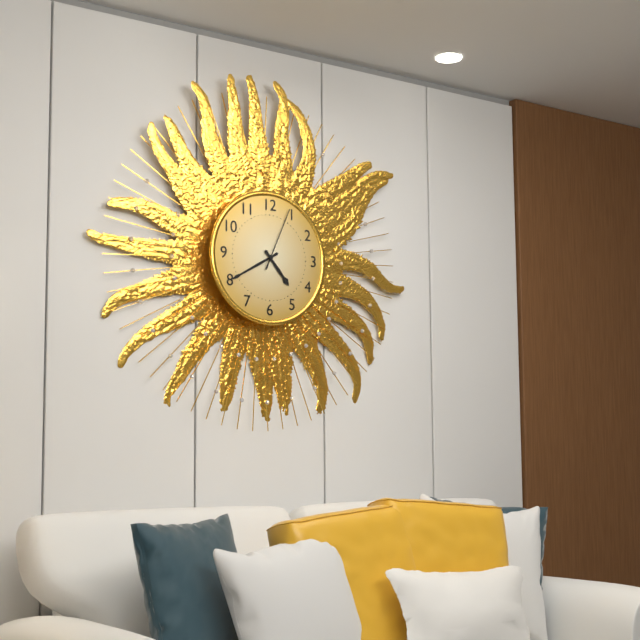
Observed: 4 h 40 min 04 s
